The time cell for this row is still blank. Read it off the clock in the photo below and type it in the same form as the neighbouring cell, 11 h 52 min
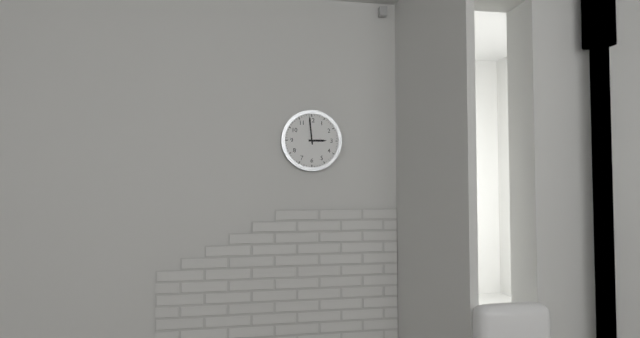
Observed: 2 h 59 min
